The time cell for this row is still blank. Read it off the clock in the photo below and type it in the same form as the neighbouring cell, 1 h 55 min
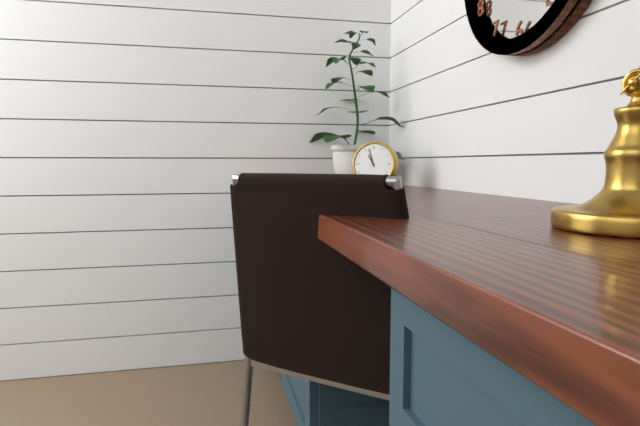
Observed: 10 h 57 min
